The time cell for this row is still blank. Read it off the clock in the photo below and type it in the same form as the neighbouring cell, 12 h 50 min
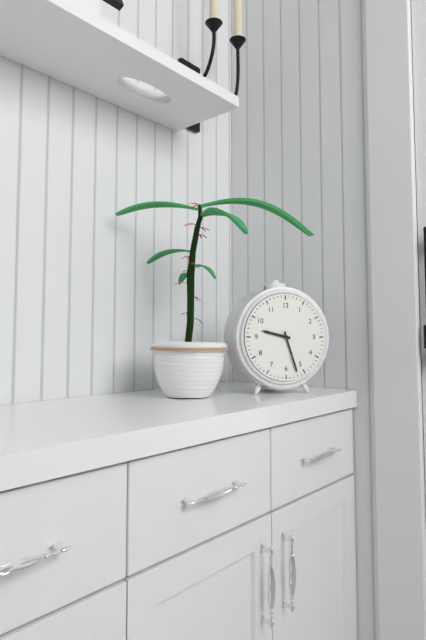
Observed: 9 h 27 min
